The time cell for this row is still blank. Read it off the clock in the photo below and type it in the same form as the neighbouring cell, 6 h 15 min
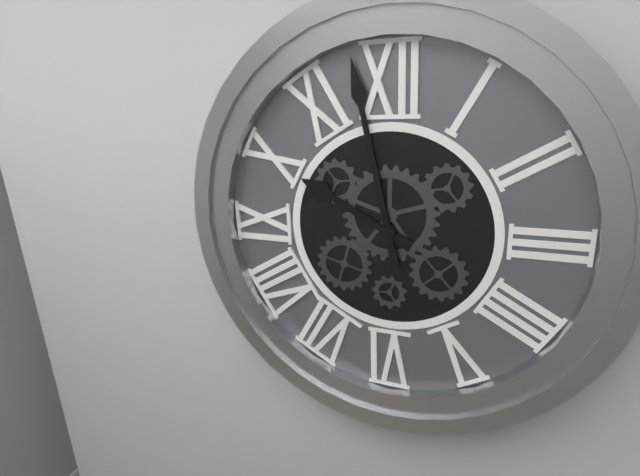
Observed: 9 h 58 min
